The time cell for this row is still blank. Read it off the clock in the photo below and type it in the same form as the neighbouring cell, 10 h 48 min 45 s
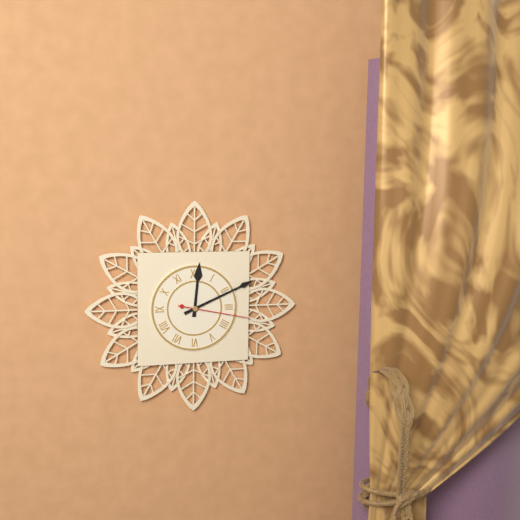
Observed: 12 h 11 min 17 s
